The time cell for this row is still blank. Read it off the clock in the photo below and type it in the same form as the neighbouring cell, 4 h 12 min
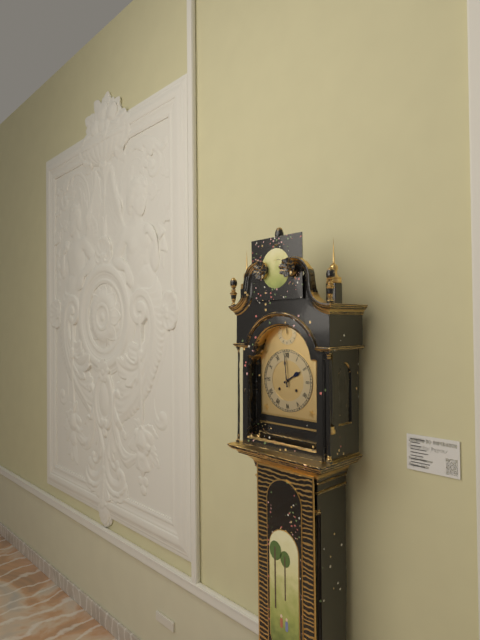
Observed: 1 h 59 min
